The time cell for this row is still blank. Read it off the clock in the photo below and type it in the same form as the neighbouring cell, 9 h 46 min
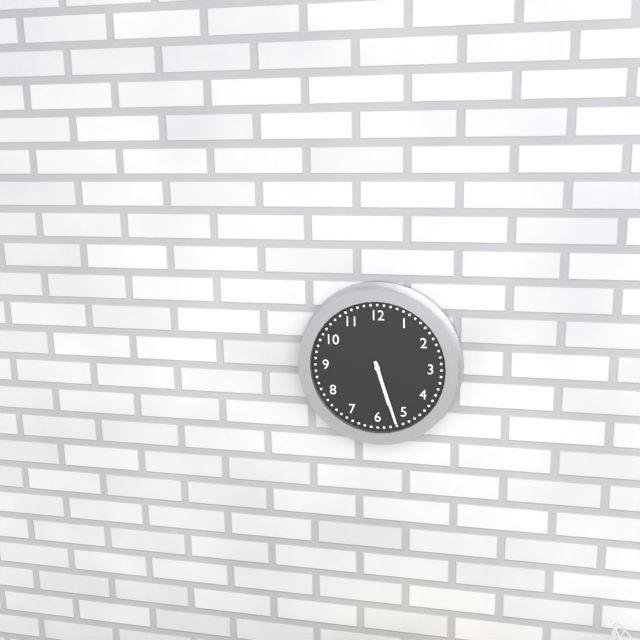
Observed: 5 h 27 min
